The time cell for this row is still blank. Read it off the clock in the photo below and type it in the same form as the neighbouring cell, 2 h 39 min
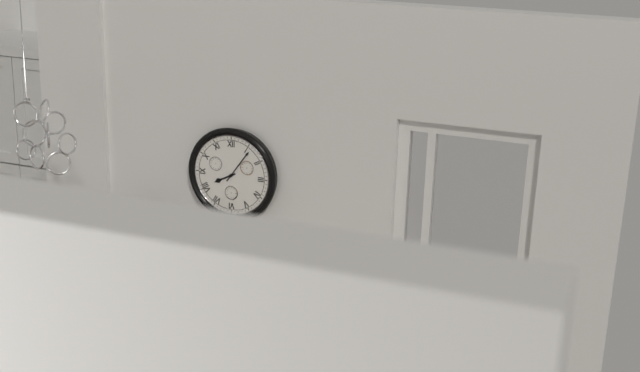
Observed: 8 h 06 min
